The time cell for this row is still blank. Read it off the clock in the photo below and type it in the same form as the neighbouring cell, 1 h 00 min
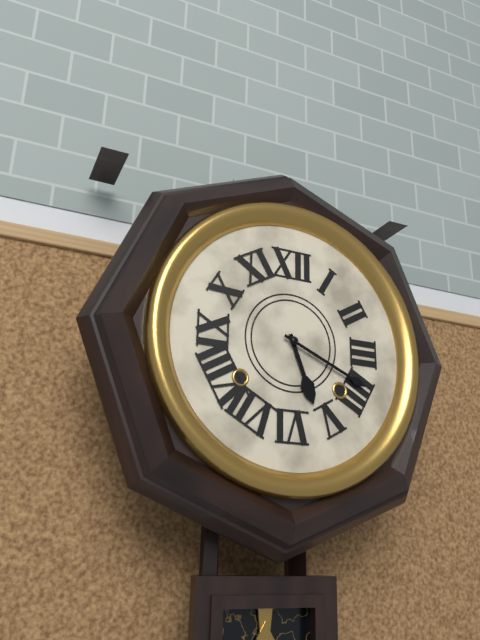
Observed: 5 h 19 min
